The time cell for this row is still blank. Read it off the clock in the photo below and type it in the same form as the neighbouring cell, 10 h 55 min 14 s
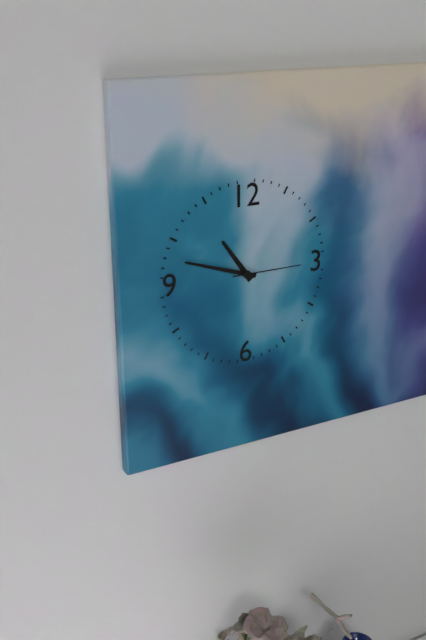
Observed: 10 h 48 min 15 s
